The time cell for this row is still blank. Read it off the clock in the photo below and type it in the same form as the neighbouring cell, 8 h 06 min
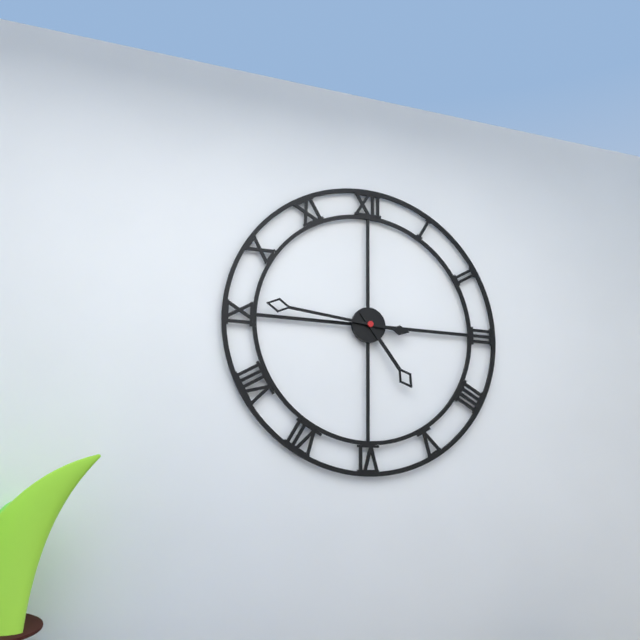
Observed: 4 h 46 min
